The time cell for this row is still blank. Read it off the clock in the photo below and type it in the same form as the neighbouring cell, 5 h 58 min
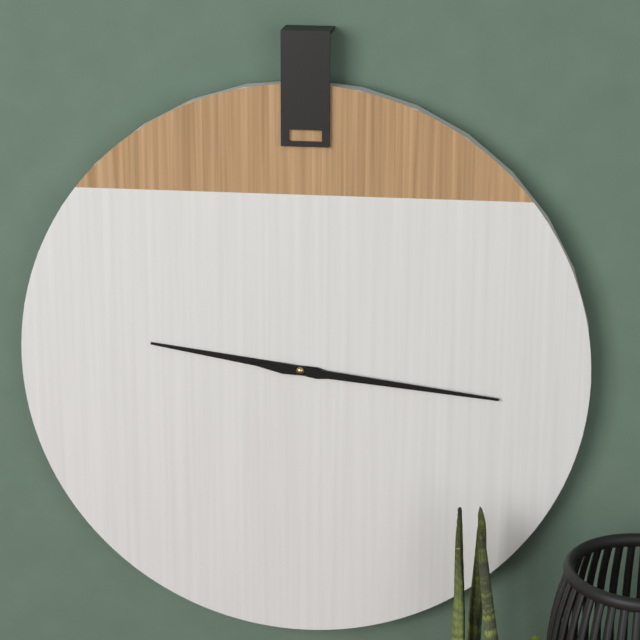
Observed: 9 h 16 min
